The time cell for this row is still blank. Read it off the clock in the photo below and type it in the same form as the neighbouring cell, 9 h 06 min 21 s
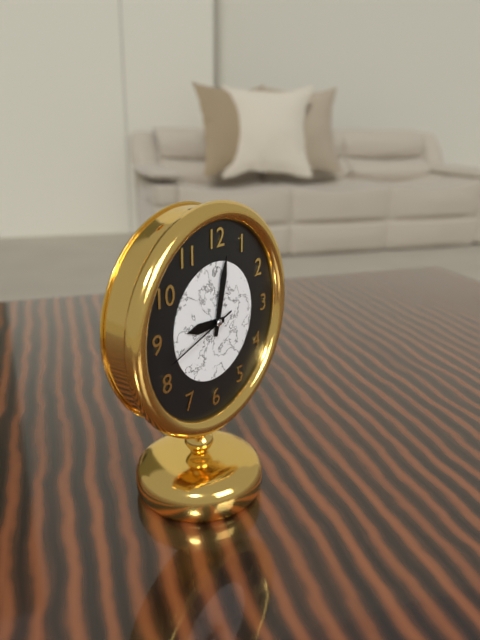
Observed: 9 h 02 min 42 s
